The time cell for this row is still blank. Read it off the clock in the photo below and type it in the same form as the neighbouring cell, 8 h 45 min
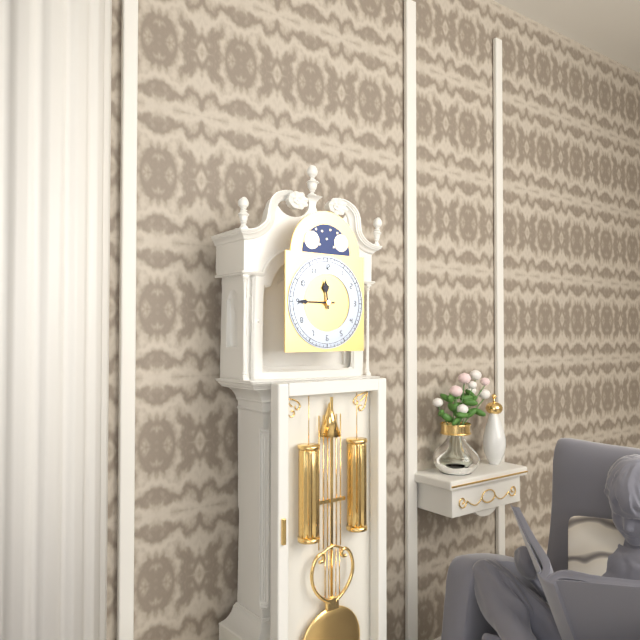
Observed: 11 h 45 min
